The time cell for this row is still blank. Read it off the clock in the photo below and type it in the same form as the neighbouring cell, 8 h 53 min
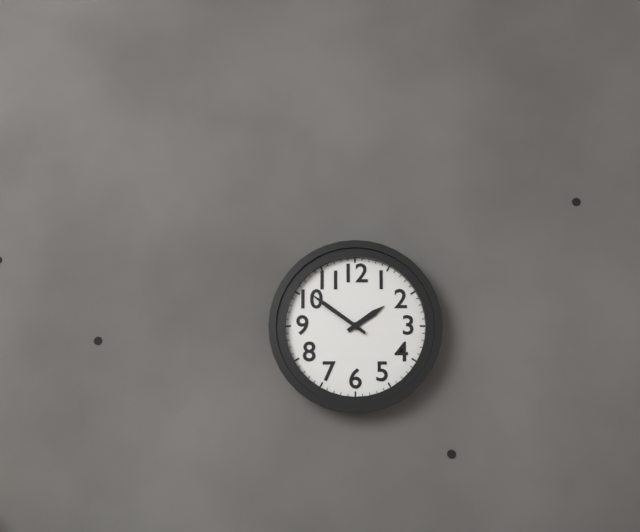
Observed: 1 h 51 min
